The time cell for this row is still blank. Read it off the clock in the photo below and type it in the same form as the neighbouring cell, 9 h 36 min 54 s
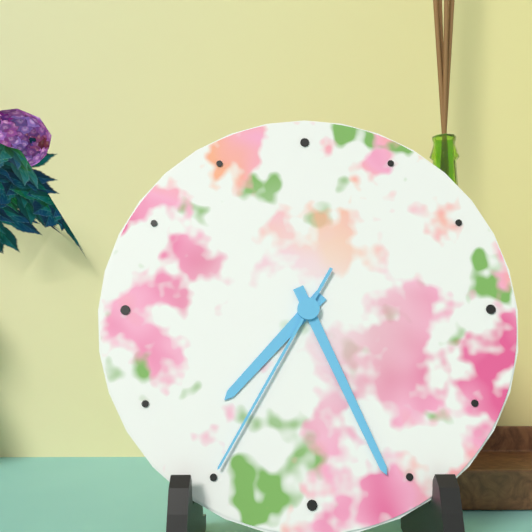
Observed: 7 h 26 min 35 s
